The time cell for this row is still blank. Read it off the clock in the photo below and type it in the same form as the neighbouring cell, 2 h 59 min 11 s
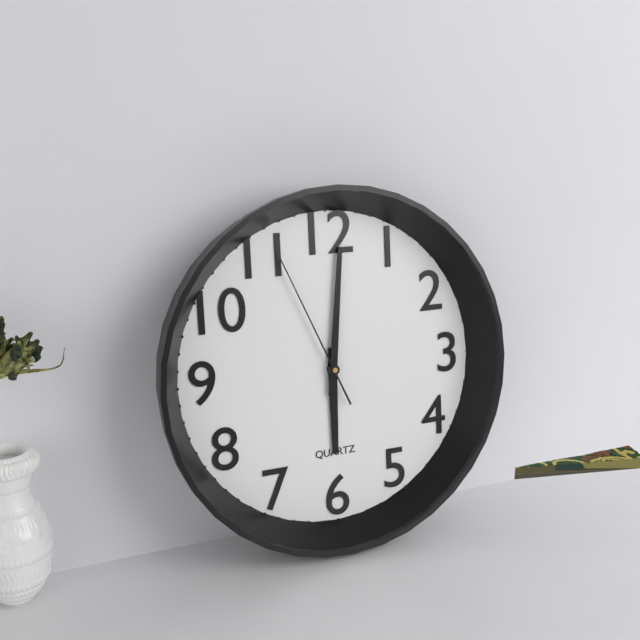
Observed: 6 h 01 min 56 s
